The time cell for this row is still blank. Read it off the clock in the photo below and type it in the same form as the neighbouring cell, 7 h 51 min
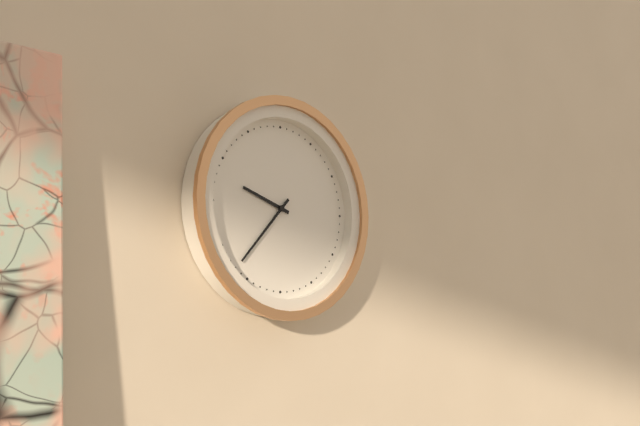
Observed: 9 h 37 min
